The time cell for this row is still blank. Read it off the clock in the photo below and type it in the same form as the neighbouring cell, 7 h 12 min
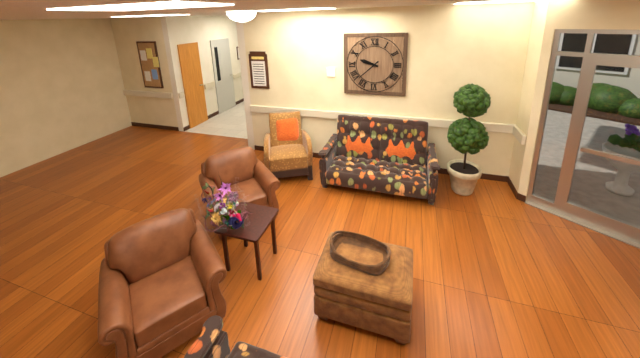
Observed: 9 h 38 min
